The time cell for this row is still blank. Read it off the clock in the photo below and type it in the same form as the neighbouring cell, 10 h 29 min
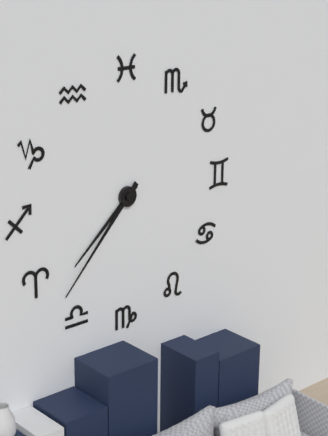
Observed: 7 h 37 min
